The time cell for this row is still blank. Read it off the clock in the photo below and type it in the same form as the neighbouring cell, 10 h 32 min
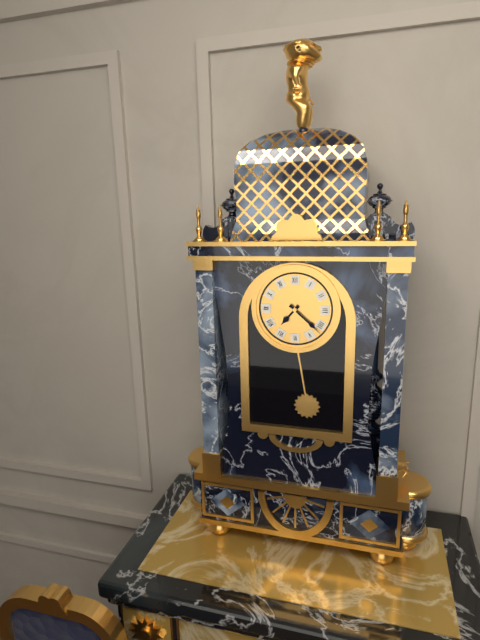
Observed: 7 h 22 min
